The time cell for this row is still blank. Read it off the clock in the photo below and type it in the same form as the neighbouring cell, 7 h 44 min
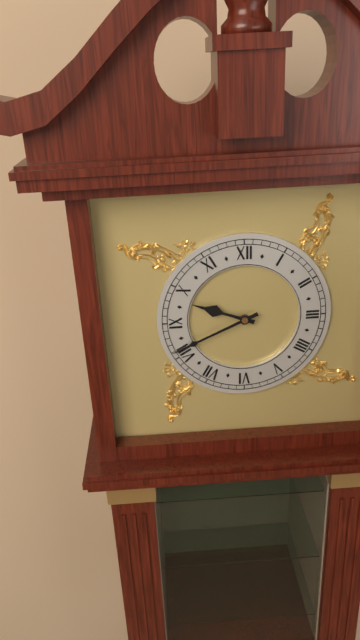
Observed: 9 h 41 min
